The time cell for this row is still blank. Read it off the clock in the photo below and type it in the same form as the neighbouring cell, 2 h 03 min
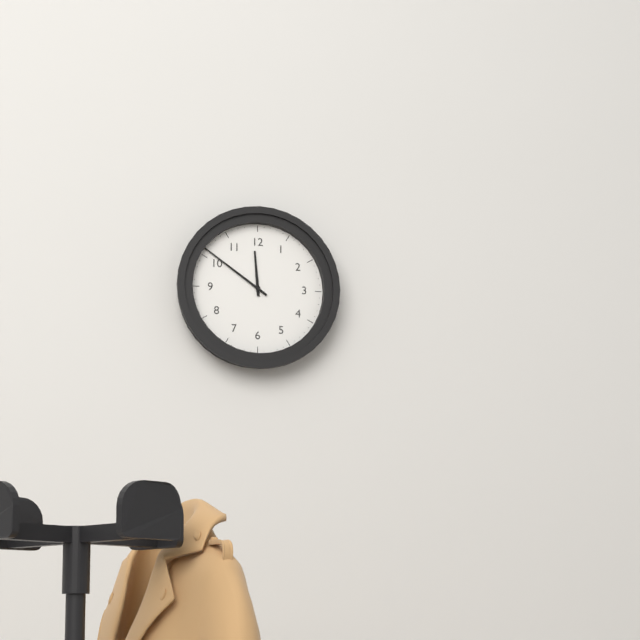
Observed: 11 h 51 min
